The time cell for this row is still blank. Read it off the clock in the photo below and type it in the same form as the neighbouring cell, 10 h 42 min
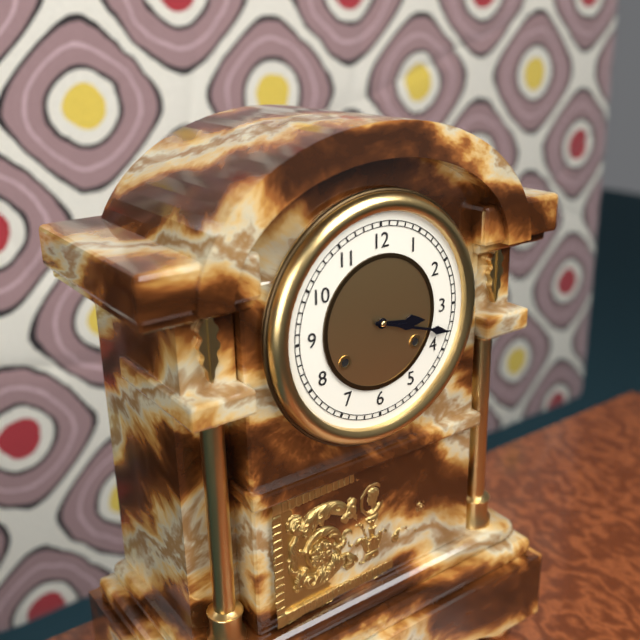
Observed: 3 h 18 min
